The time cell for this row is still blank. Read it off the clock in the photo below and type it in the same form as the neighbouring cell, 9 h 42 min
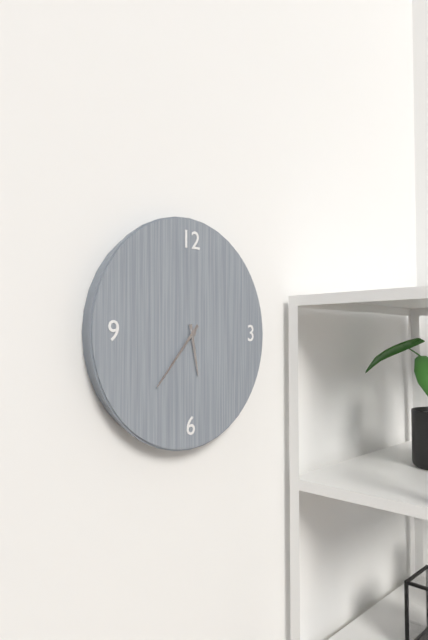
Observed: 5 h 37 min
